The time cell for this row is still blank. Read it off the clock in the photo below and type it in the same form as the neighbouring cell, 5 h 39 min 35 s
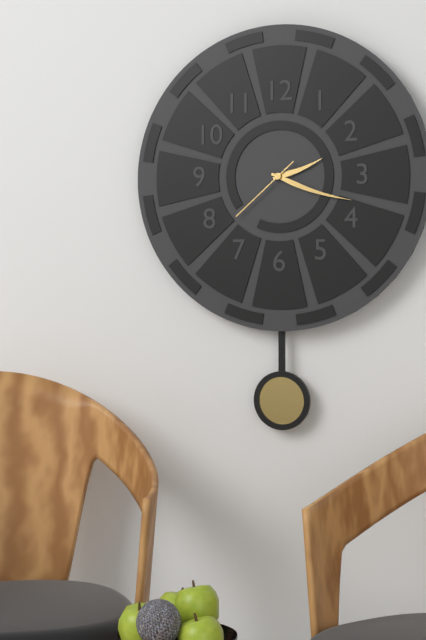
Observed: 2 h 18 min 38 s
